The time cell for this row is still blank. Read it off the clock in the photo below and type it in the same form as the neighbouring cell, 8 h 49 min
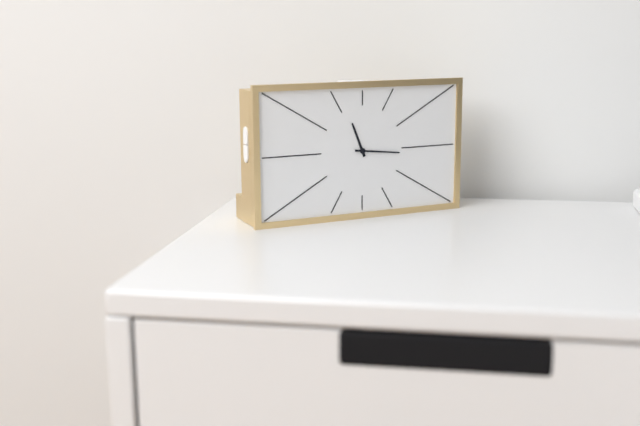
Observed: 11 h 16 min
